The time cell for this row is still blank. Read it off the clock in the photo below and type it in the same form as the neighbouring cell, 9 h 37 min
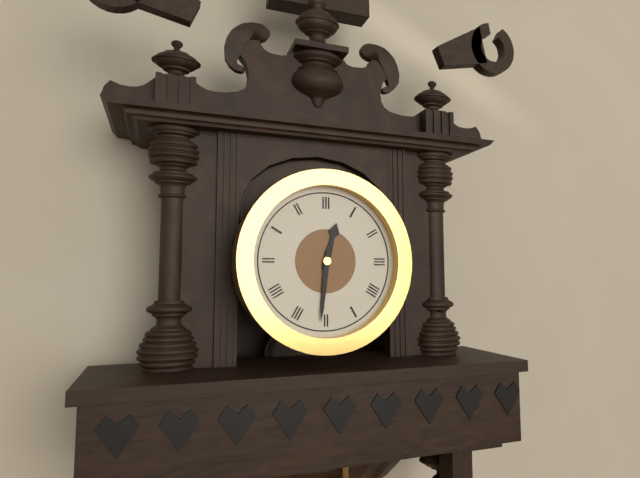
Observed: 12 h 31 min
